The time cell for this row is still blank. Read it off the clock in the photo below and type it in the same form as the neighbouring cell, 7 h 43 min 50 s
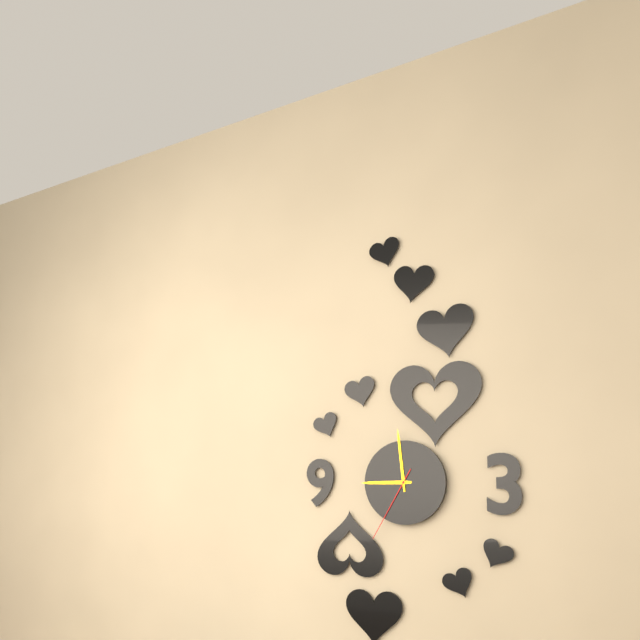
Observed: 8 h 59 min 35 s
